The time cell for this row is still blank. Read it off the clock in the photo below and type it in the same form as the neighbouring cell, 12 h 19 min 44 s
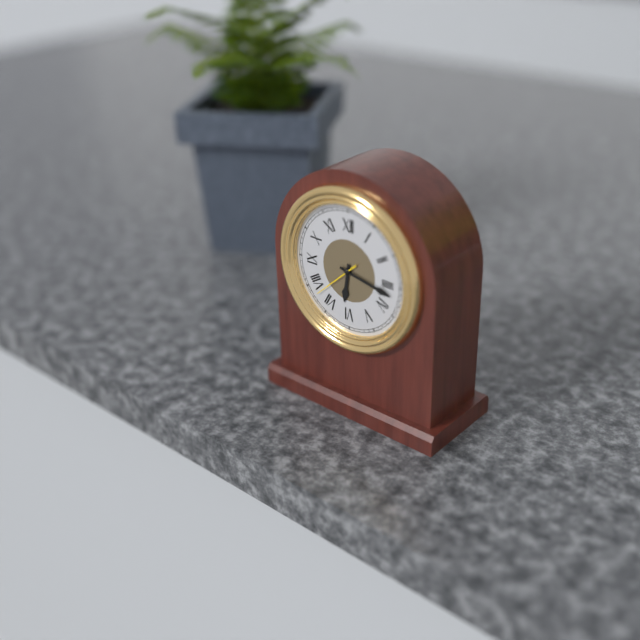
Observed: 6 h 17 min 38 s
